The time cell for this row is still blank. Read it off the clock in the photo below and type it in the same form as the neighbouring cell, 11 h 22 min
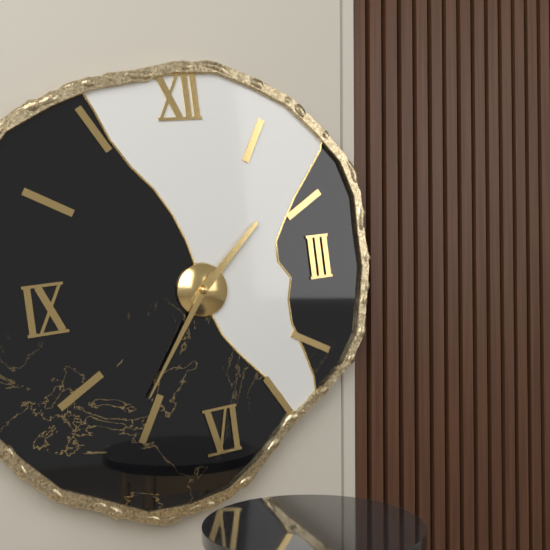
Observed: 1 h 36 min
